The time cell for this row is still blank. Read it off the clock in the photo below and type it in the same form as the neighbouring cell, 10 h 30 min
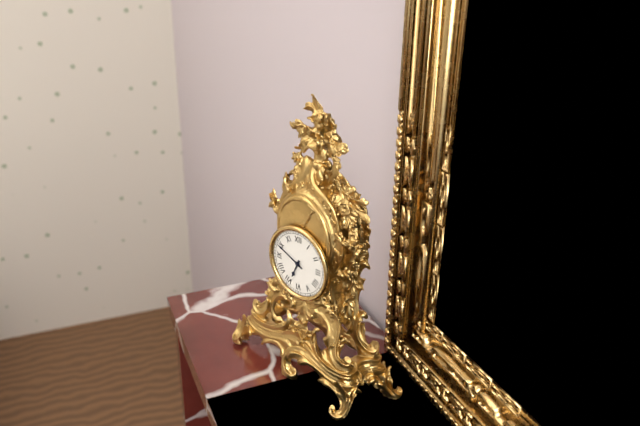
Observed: 6 h 49 min
